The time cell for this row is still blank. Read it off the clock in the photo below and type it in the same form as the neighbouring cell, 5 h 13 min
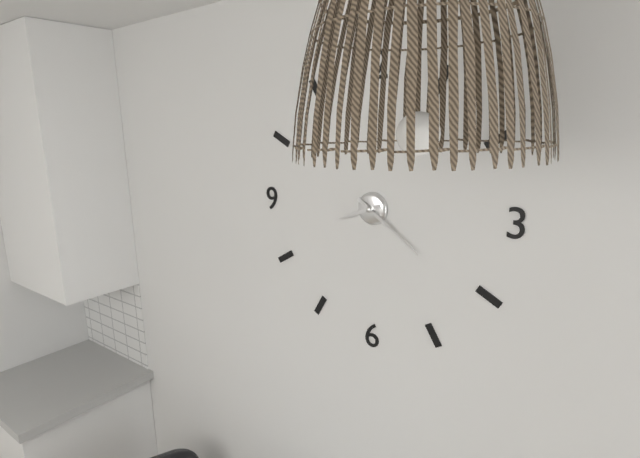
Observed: 8 h 21 min
